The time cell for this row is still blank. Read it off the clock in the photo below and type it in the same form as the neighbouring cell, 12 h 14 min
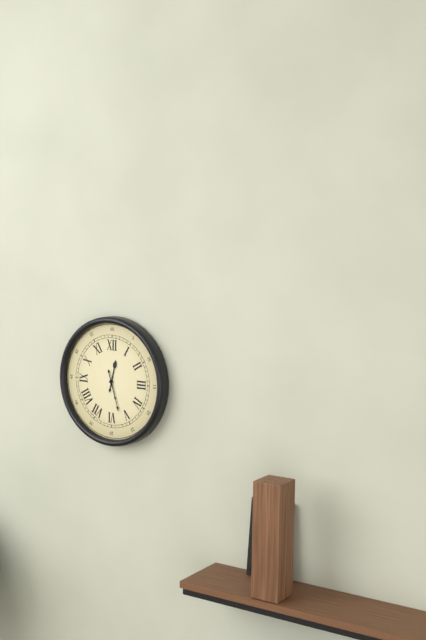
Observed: 12 h 27 min
